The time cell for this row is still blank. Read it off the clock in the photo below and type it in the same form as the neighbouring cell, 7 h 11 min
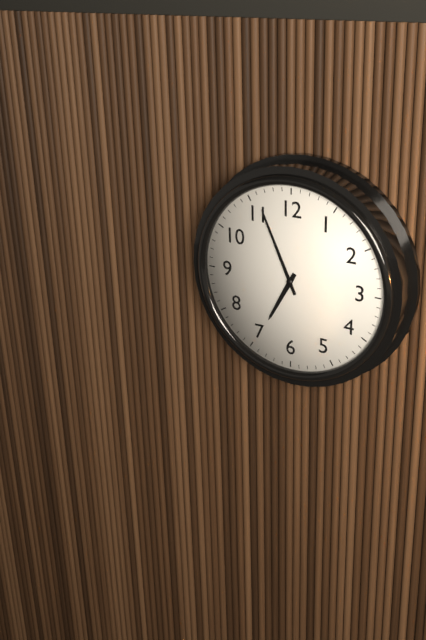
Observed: 6 h 56 min
